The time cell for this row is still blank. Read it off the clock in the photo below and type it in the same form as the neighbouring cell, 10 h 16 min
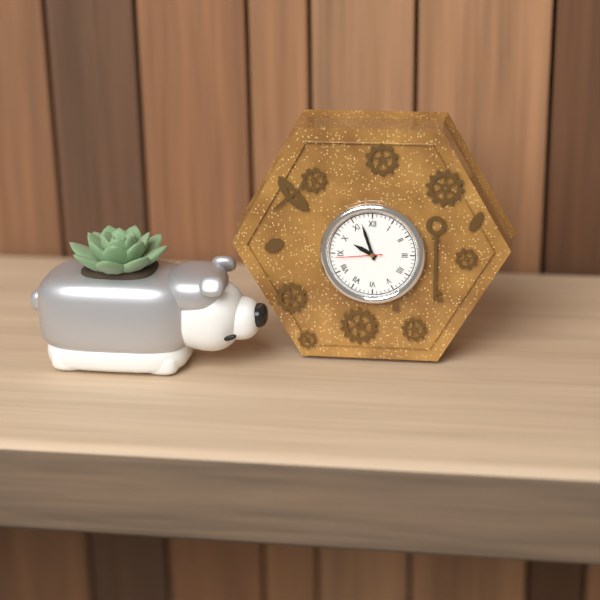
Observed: 9 h 57 min
